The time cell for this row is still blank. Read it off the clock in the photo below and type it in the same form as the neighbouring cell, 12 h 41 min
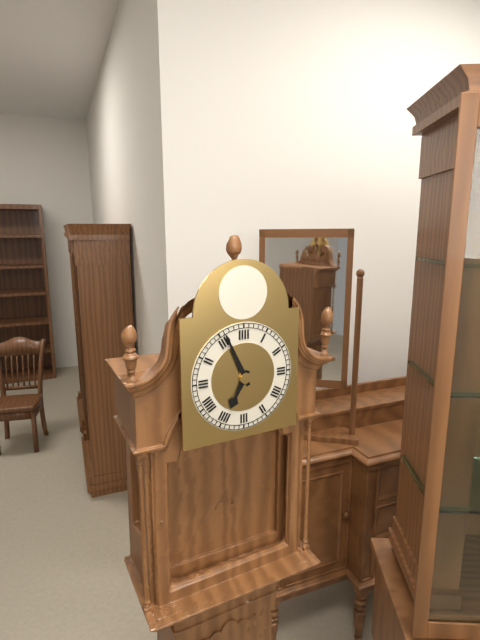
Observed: 6 h 56 min
